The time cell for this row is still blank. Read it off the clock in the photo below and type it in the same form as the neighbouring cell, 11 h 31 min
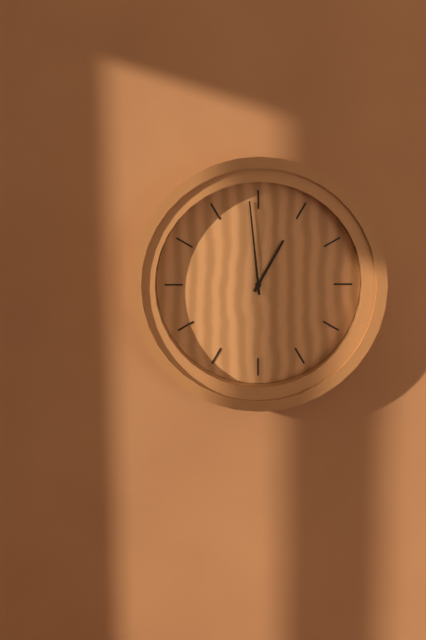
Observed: 12 h 59 min
